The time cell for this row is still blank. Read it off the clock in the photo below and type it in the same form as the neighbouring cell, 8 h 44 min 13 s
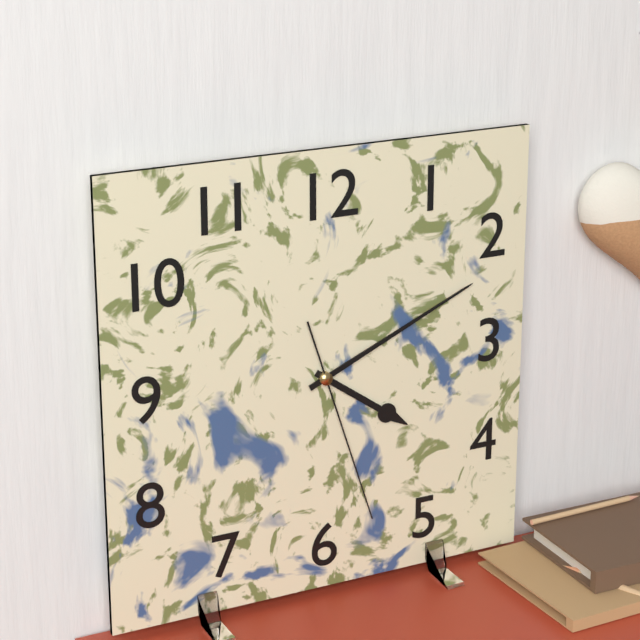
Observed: 4 h 11 min 27 s
